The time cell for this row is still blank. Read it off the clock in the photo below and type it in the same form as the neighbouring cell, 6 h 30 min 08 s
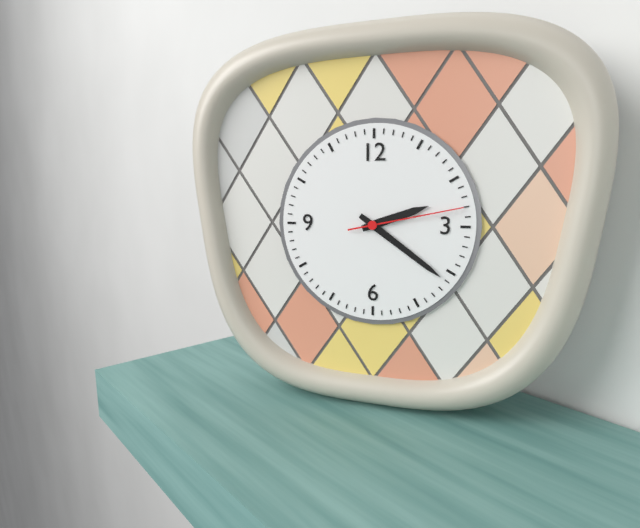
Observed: 2 h 21 min 13 s
